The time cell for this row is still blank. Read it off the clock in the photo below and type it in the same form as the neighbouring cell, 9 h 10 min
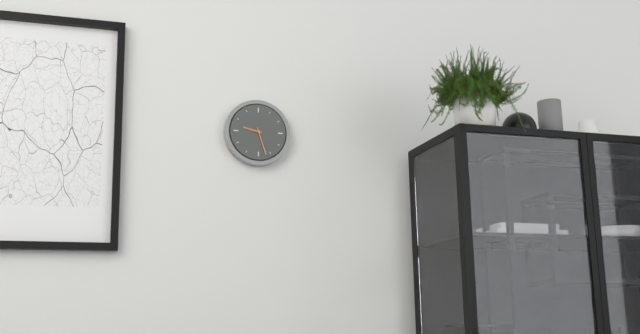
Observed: 9 h 27 min
